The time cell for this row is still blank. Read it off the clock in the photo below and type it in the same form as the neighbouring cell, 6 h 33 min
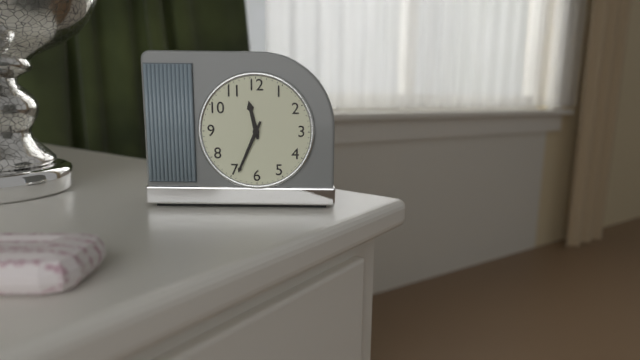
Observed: 11 h 34 min
